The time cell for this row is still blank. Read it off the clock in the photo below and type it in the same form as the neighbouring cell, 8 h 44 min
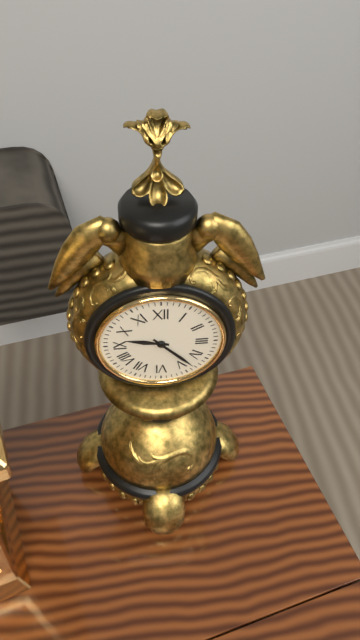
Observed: 9 h 23 min
